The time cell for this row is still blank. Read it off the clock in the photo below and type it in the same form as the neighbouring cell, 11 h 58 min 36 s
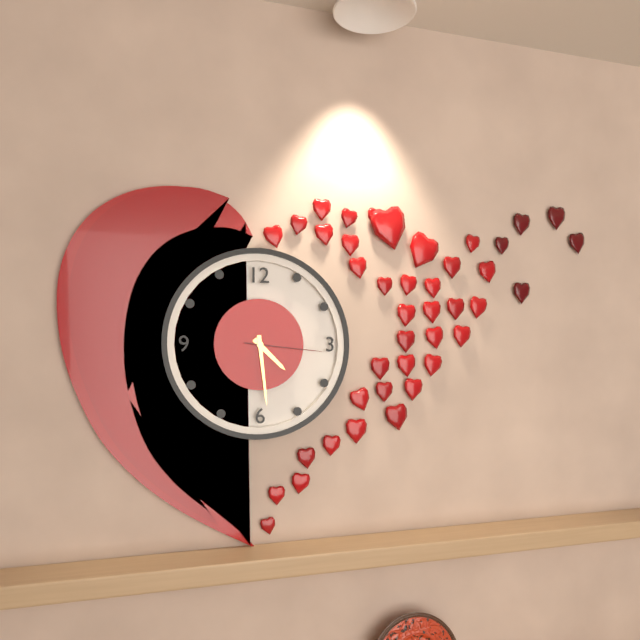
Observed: 4 h 29 min 16 s
